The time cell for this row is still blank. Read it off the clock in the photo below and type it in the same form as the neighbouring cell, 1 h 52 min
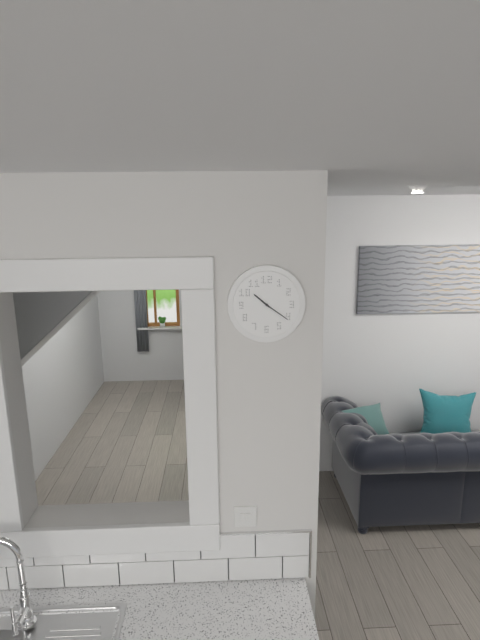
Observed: 10 h 21 min
